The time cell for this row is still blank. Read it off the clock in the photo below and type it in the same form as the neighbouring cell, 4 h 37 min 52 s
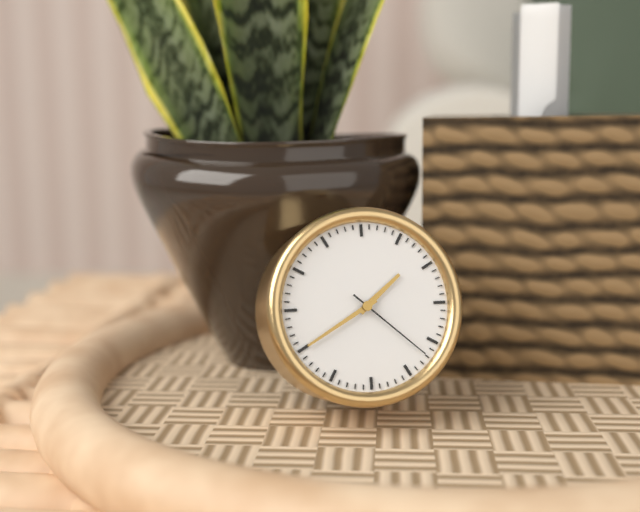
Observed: 1 h 40 min 22 s
